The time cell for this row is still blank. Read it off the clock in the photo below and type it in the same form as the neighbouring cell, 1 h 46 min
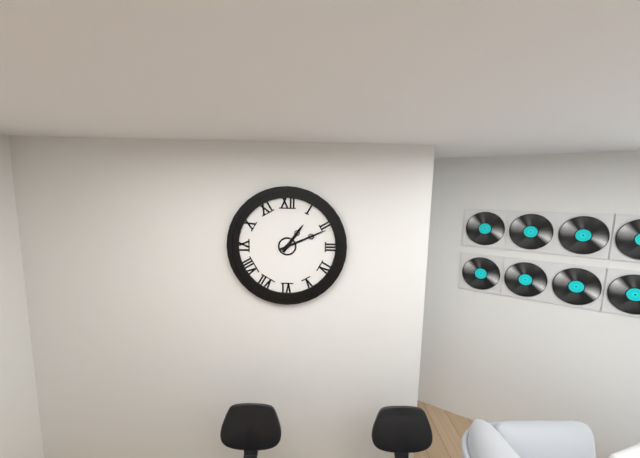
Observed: 1 h 11 min
